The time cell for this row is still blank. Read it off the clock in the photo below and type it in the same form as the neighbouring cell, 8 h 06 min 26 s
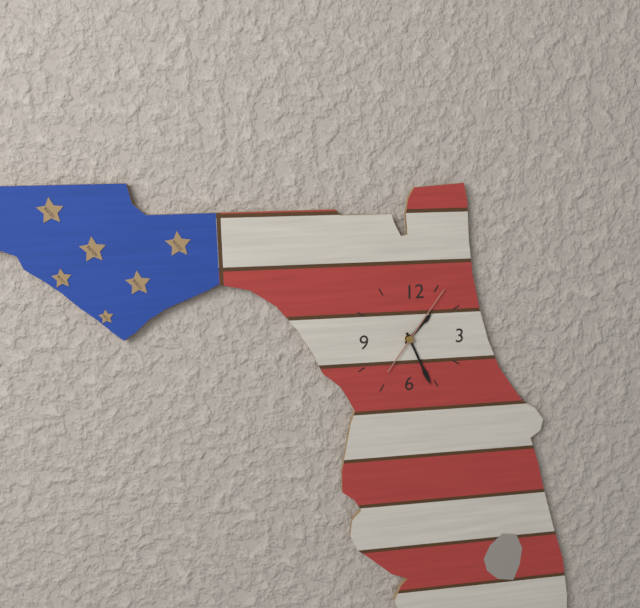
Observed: 1 h 26 min 06 s
